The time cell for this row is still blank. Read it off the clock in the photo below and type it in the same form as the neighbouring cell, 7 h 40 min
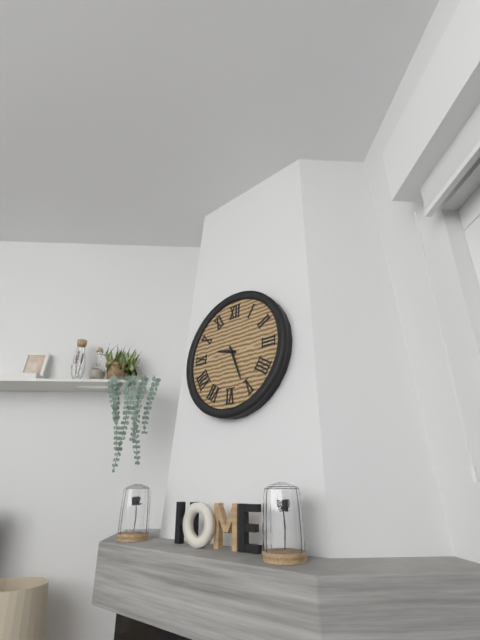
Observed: 9 h 26 min
